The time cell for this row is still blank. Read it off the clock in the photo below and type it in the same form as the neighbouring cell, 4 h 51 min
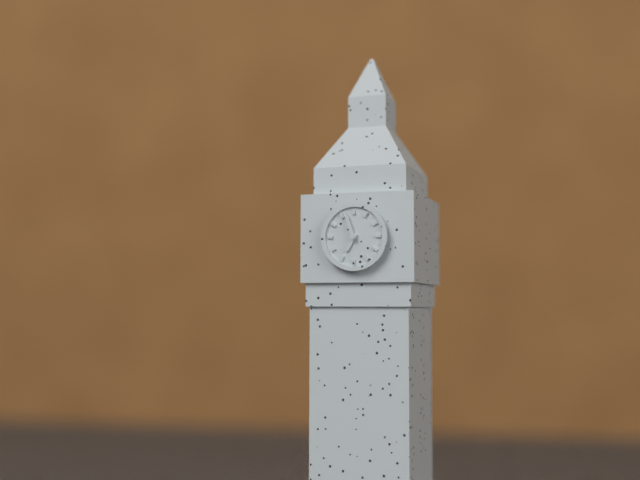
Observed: 6 h 57 min
